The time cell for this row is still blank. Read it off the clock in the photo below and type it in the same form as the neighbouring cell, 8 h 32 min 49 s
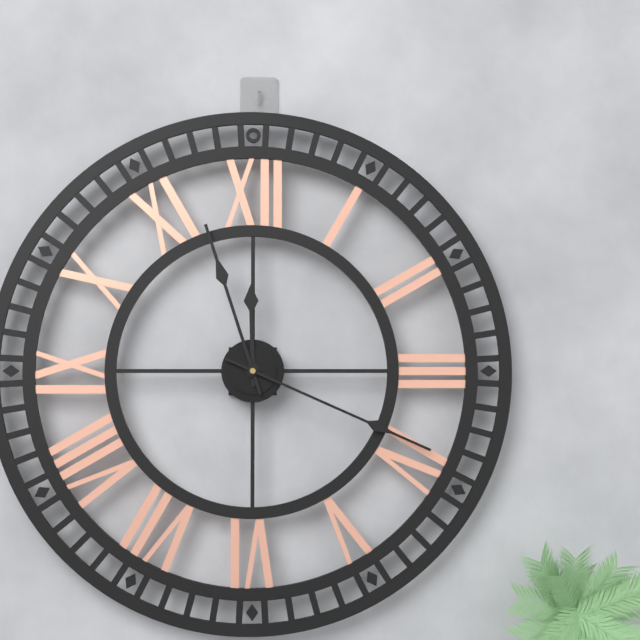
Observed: 11 h 57 min 19 s
